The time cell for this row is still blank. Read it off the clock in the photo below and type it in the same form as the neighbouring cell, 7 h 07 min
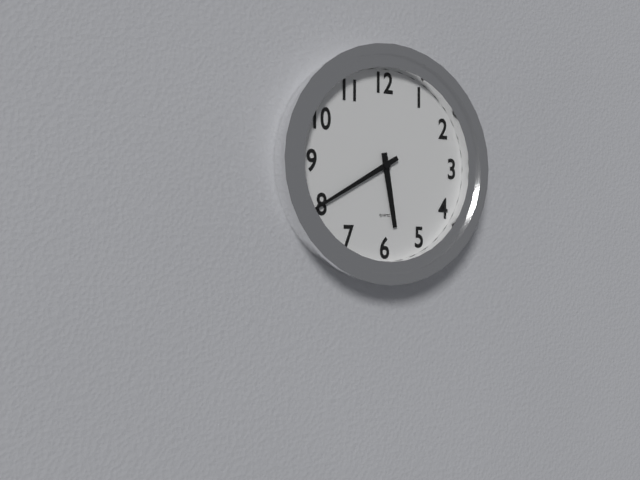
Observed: 5 h 40 min
